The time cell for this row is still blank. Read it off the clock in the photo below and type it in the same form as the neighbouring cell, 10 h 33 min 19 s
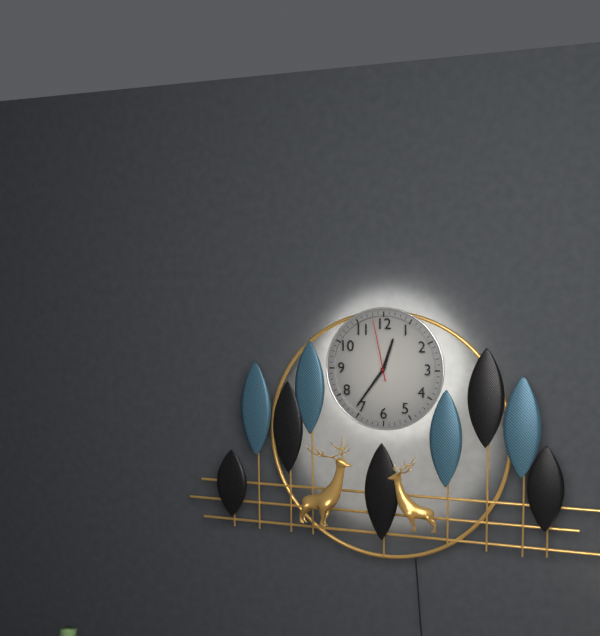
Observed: 12 h 36 min 58 s
